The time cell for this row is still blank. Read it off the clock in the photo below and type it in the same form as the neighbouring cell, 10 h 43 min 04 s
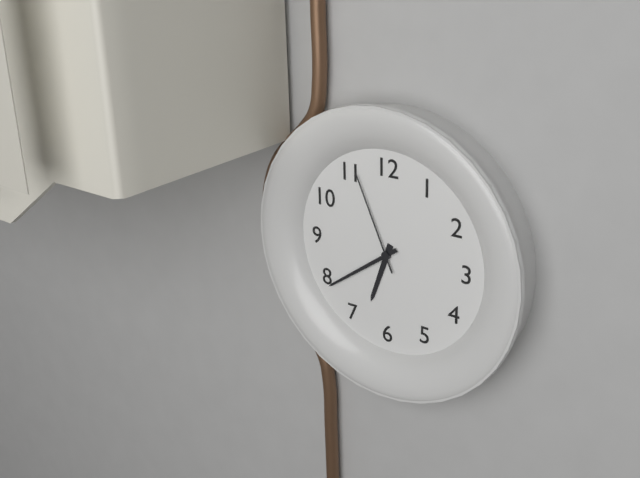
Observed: 6 h 39 min 56 s
